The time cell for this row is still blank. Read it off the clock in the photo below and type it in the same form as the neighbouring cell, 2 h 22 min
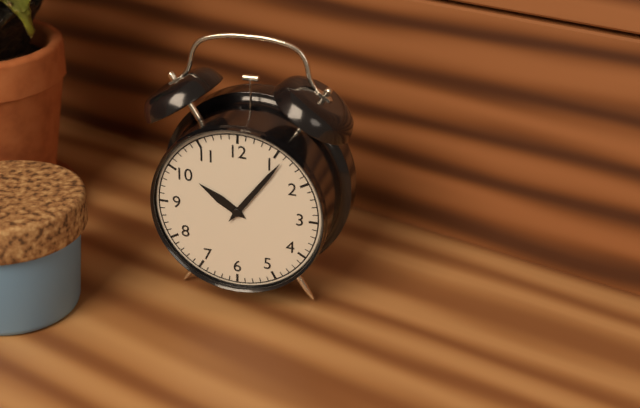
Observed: 10 h 06 min
